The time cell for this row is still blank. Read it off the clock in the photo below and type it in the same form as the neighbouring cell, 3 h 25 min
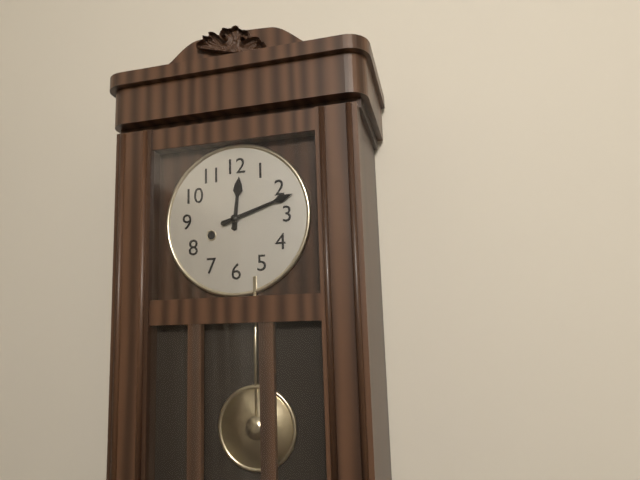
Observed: 12 h 12 min
